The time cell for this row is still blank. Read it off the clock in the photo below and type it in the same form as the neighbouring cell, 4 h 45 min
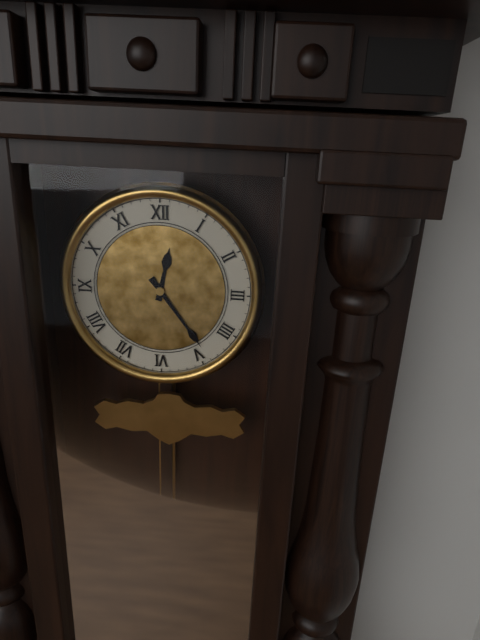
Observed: 12 h 24 min
